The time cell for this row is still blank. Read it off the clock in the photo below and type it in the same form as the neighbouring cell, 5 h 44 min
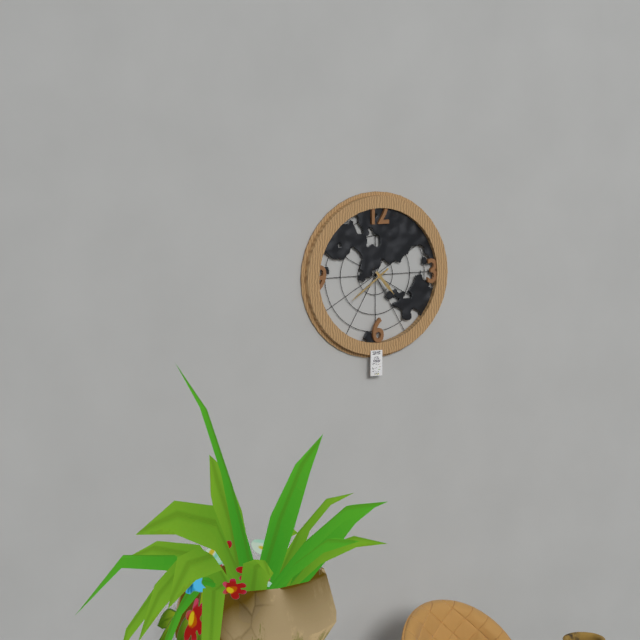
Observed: 4 h 39 min
